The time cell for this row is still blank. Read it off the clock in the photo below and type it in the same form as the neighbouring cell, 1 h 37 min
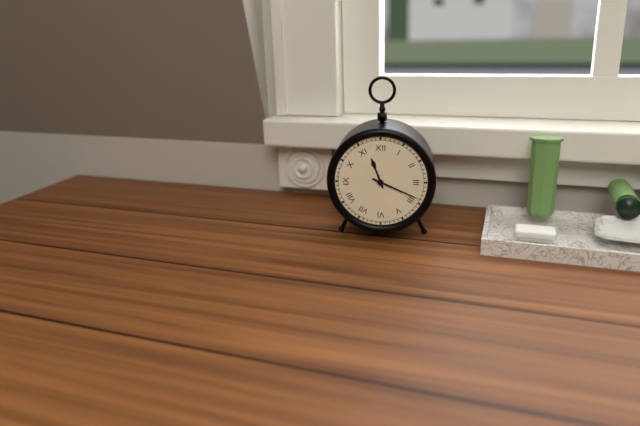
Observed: 11 h 19 min
